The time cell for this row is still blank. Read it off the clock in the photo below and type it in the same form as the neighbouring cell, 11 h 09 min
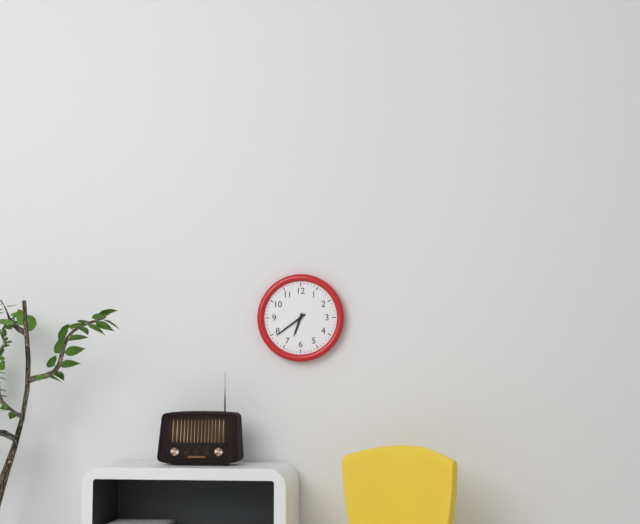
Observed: 6 h 39 min
